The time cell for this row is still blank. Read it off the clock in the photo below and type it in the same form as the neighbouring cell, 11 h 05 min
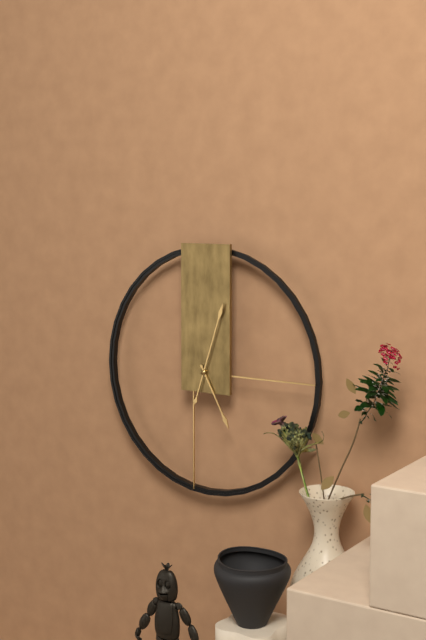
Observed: 5 h 03 min
